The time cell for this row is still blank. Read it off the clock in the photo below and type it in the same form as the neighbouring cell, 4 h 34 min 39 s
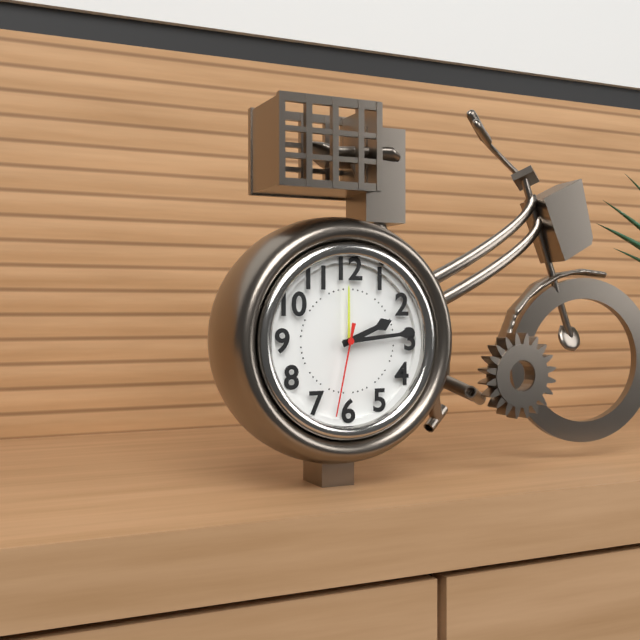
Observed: 2 h 14 min 32 s
